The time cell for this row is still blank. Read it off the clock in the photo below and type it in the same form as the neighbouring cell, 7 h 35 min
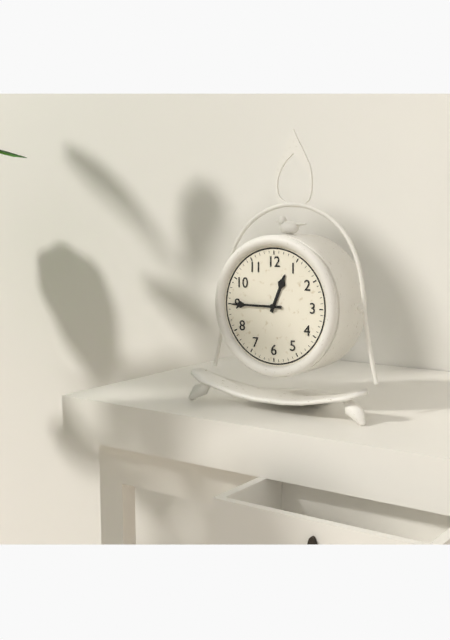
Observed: 12 h 45 min
